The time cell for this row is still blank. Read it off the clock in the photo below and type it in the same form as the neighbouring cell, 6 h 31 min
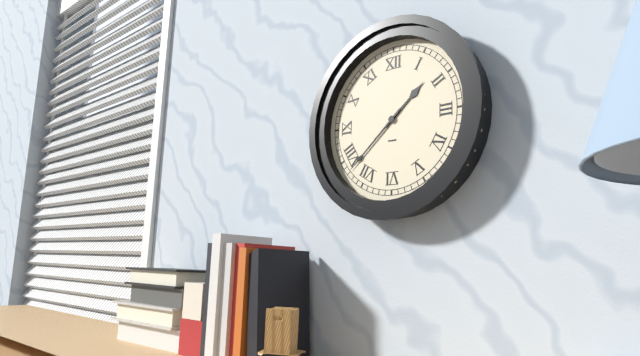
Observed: 1 h 38 min
